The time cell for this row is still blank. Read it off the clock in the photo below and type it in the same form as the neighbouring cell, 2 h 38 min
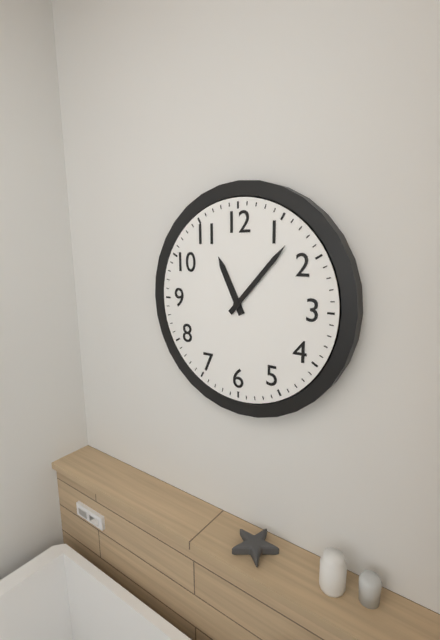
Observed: 11 h 07 min
